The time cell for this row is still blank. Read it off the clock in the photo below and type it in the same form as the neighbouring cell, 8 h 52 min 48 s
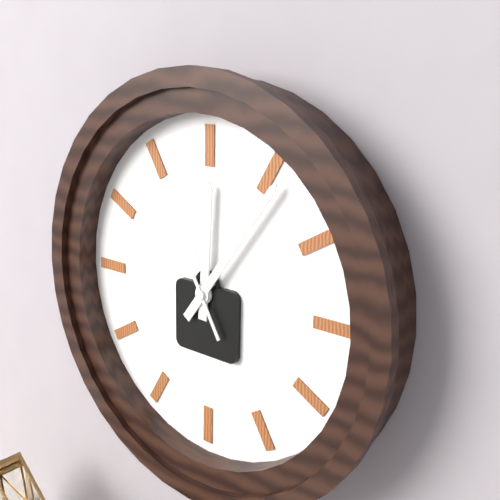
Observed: 12 h 06 min 55 s
